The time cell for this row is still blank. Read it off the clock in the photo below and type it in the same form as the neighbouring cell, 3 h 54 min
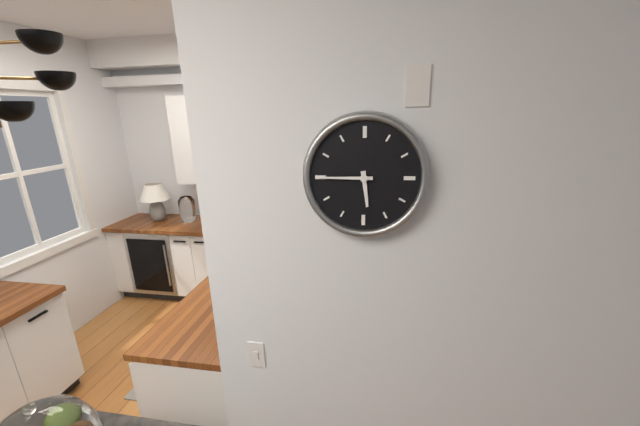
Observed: 5 h 45 min
